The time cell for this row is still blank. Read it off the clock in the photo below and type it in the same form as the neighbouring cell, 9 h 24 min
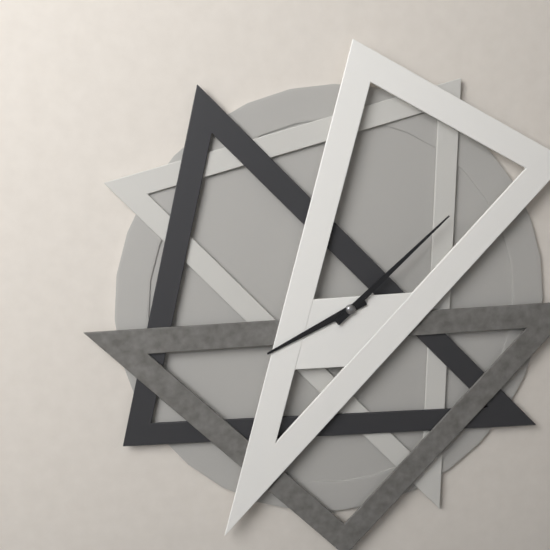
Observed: 8 h 08 min
